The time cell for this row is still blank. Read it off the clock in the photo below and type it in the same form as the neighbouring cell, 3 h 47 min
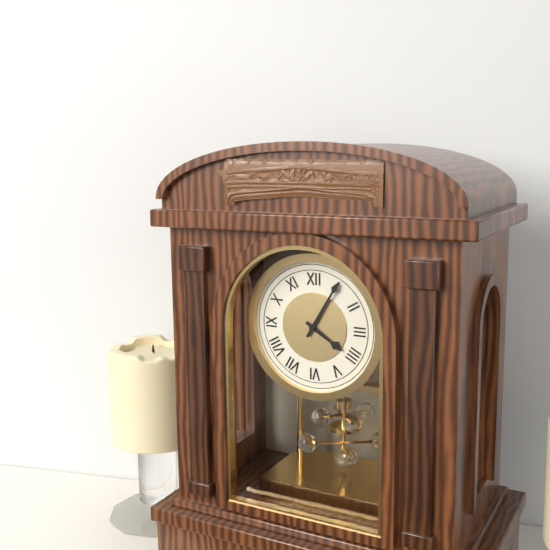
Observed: 4 h 05 min
